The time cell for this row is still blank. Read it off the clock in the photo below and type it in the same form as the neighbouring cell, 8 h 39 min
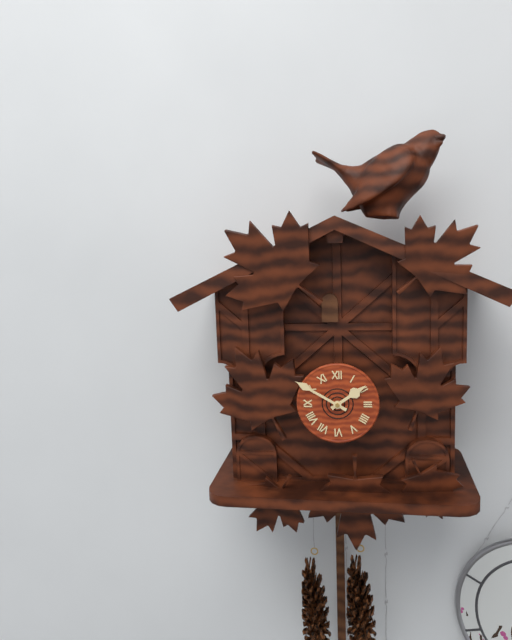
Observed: 1 h 50 min
